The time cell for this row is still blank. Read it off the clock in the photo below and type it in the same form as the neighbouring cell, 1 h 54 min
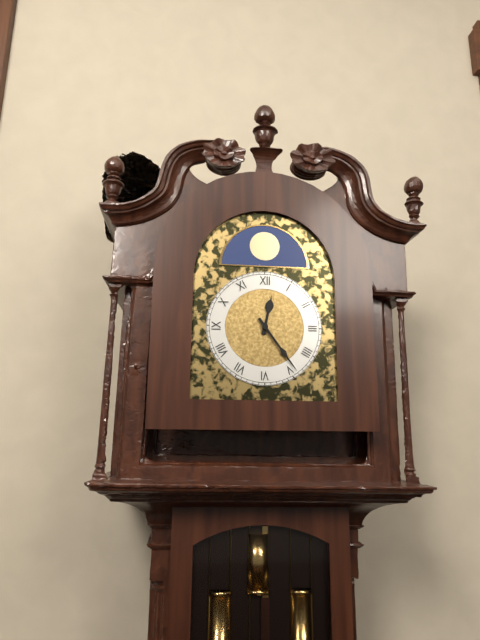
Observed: 12 h 24 min
